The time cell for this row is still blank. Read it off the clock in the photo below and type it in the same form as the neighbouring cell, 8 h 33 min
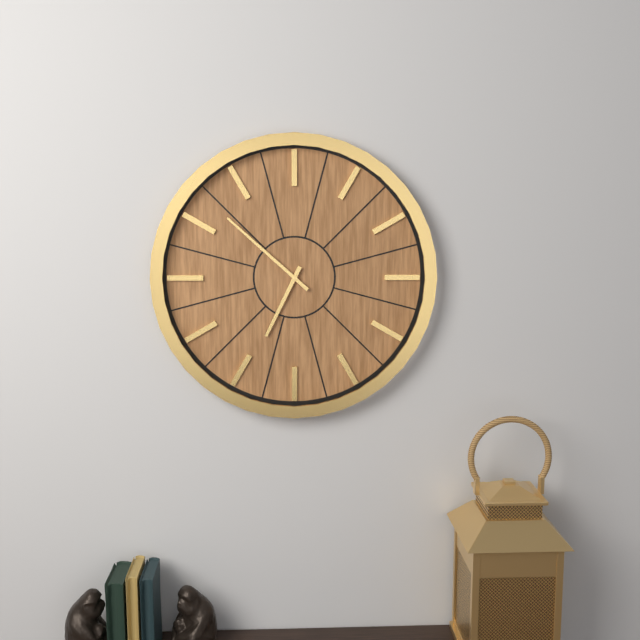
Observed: 6 h 52 min
